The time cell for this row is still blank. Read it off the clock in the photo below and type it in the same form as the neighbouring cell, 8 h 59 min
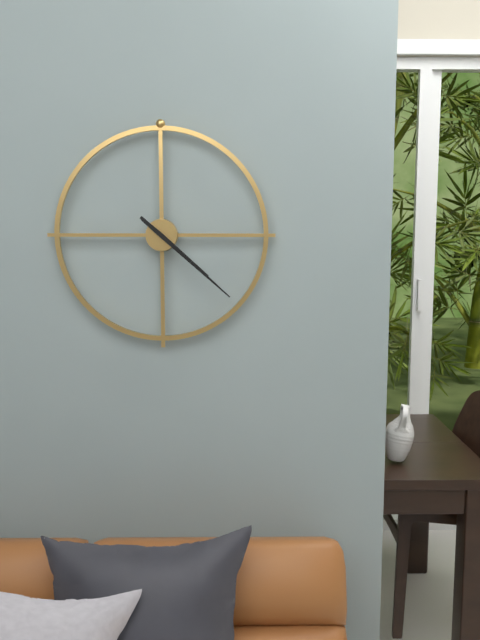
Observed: 4 h 22 min
